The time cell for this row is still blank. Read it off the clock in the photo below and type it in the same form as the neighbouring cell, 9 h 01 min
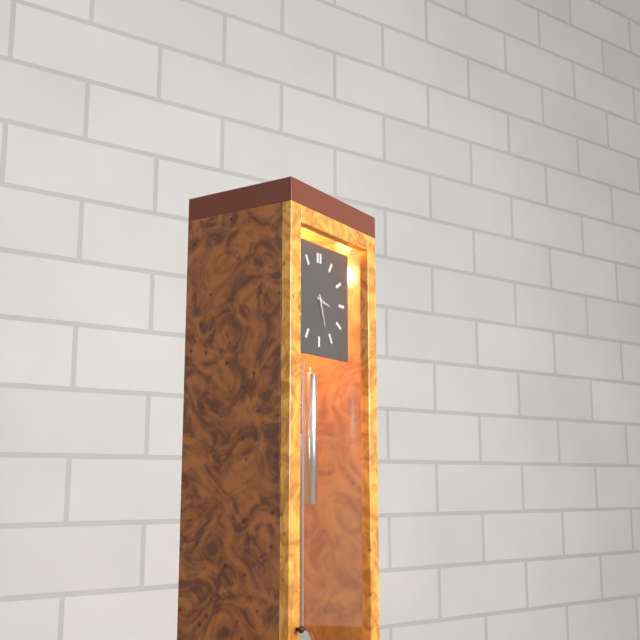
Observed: 3 h 27 min
